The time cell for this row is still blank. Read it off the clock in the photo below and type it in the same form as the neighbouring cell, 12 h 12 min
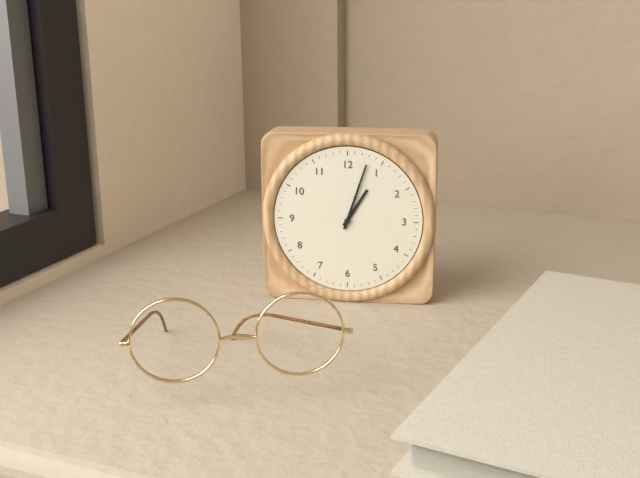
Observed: 1 h 03 min
